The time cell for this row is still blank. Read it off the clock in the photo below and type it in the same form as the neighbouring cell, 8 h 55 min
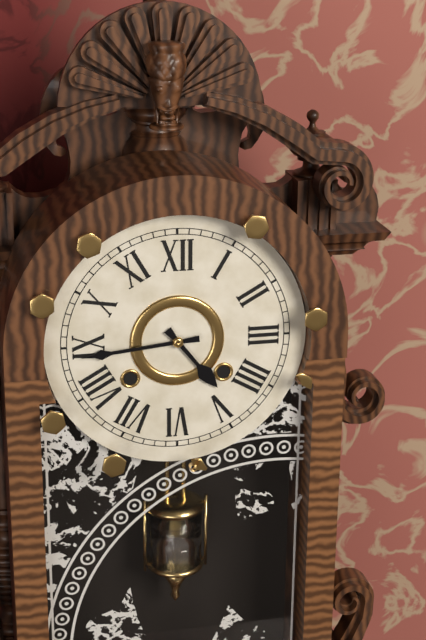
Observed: 4 h 44 min
